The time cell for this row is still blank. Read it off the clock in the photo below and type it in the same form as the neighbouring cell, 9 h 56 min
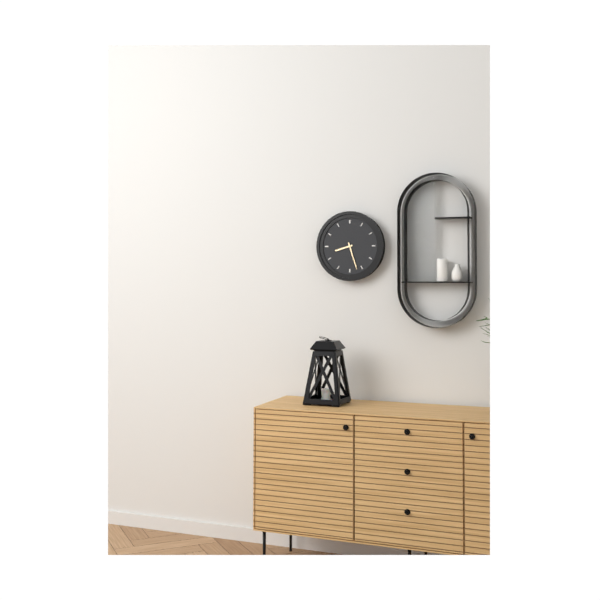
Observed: 8 h 27 min
